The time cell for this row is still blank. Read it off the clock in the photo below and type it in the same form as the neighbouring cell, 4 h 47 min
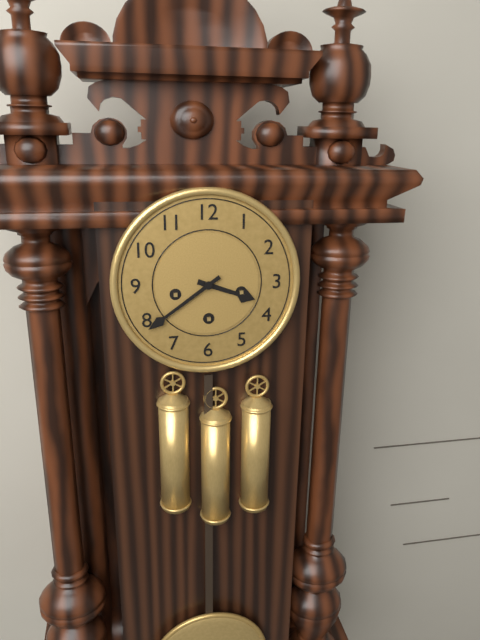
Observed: 3 h 39 min
